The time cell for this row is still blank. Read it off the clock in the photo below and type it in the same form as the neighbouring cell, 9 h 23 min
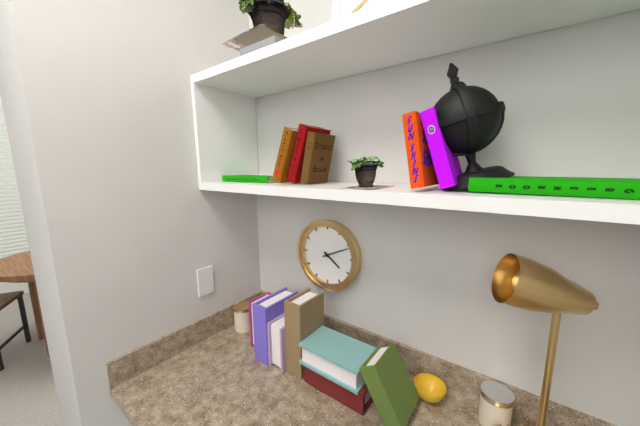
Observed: 4 h 11 min
